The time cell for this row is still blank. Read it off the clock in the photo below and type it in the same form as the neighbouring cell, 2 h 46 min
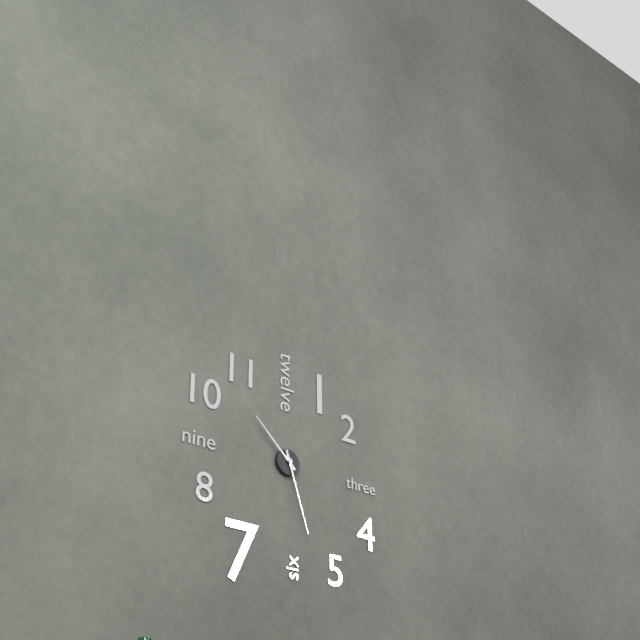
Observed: 10 h 27 min
